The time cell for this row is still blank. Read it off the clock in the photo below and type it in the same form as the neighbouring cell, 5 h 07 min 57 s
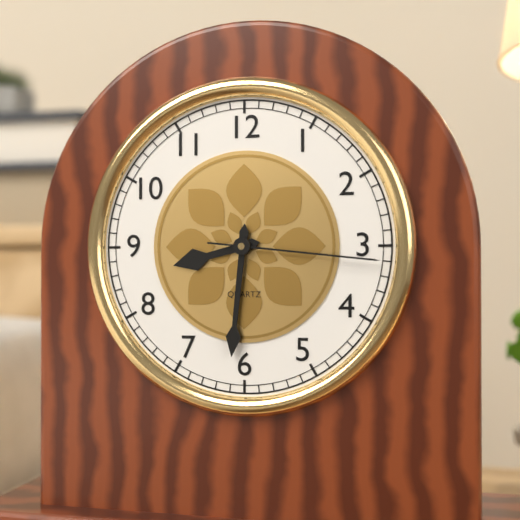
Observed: 8 h 31 min 16 s
